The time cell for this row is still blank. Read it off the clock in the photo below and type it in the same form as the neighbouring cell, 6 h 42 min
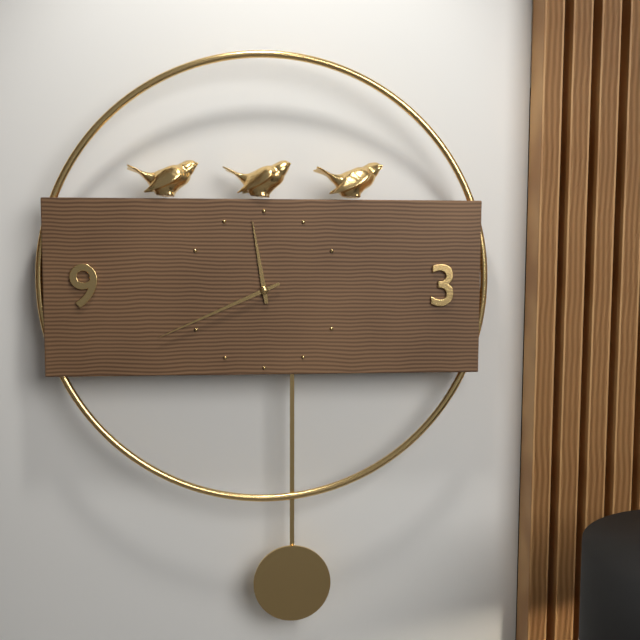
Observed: 11 h 41 min
